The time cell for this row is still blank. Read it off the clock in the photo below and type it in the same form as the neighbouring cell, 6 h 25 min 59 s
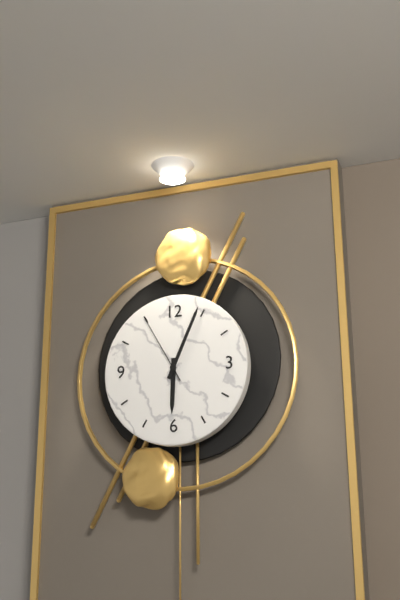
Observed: 6 h 04 min 55 s
